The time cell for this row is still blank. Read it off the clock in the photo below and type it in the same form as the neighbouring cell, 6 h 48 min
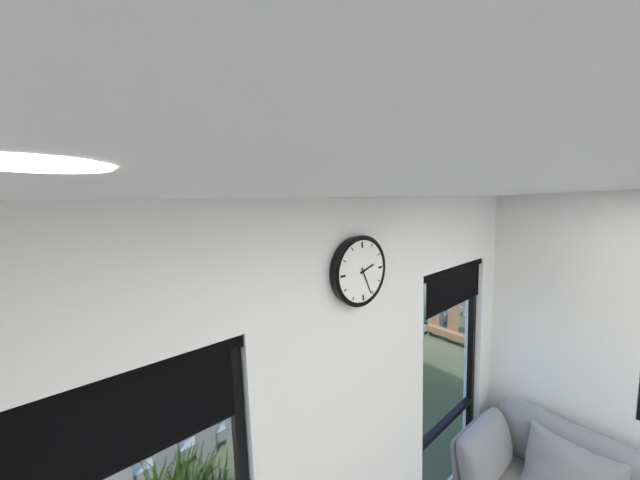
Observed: 2 h 26 min
